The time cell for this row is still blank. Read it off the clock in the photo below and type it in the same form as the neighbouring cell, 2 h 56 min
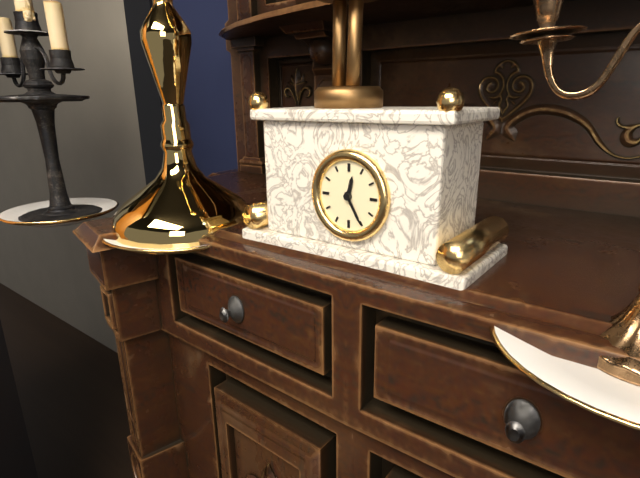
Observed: 12 h 25 min
